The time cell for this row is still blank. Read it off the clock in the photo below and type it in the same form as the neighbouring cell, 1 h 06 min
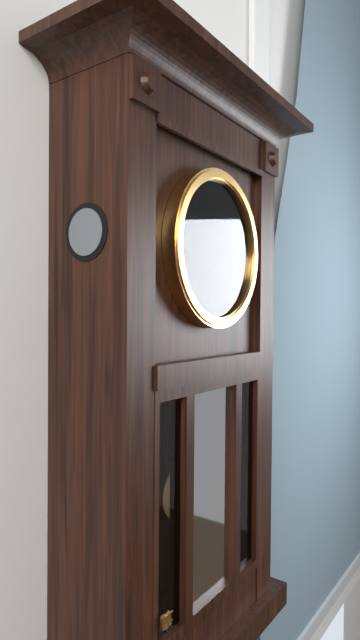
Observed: 9 h 13 min
